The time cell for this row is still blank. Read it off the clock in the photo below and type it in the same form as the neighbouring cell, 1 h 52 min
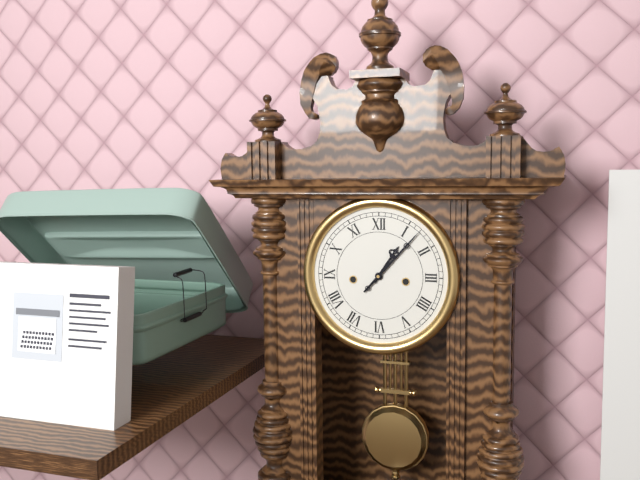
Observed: 1 h 07 min
